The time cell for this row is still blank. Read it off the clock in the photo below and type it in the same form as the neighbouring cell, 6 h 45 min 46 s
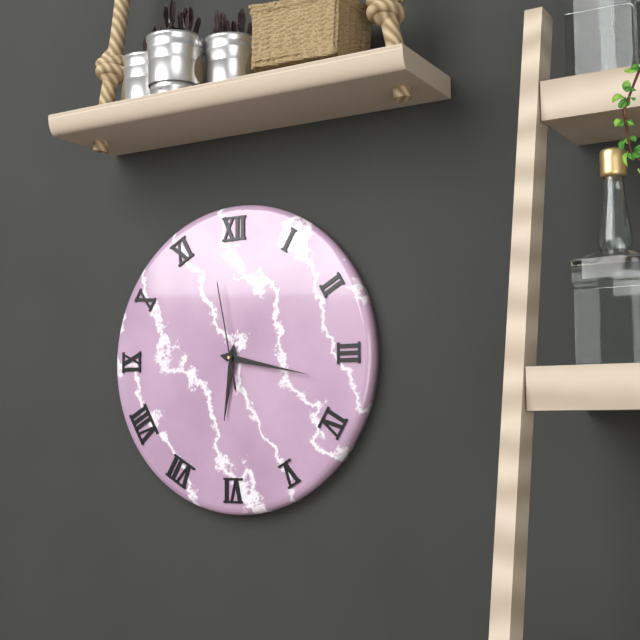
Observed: 6 h 17 min 58 s
